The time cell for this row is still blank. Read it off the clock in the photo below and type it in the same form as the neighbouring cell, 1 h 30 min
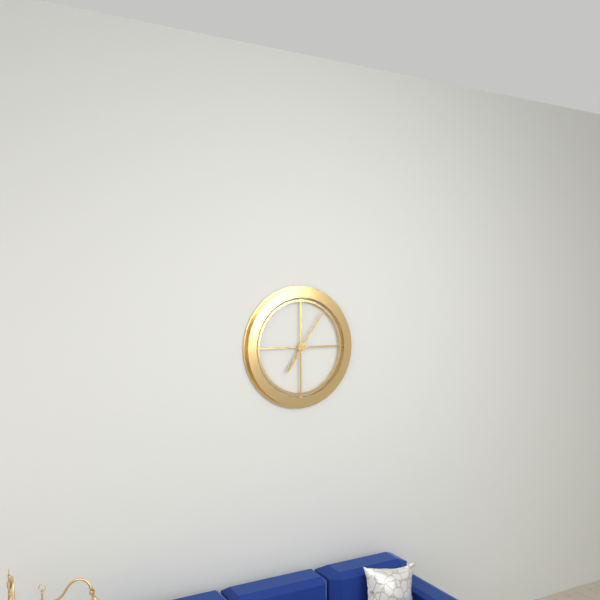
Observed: 7 h 06 min
